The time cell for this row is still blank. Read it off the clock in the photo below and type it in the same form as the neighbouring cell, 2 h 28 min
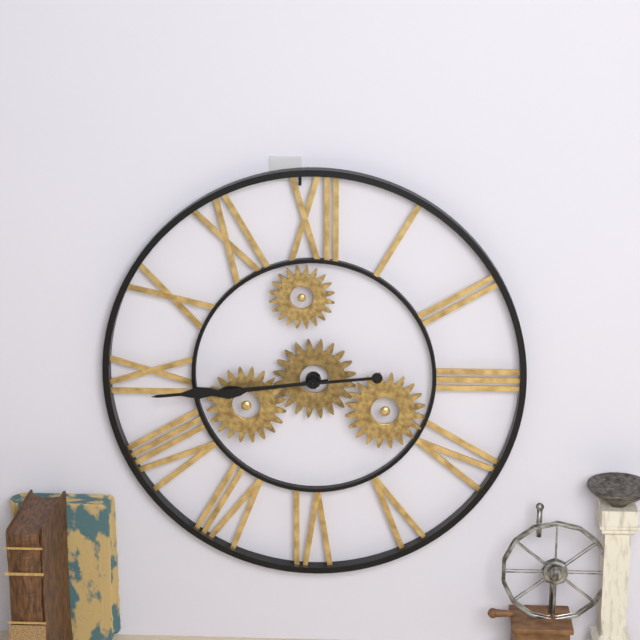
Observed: 8 h 44 min
